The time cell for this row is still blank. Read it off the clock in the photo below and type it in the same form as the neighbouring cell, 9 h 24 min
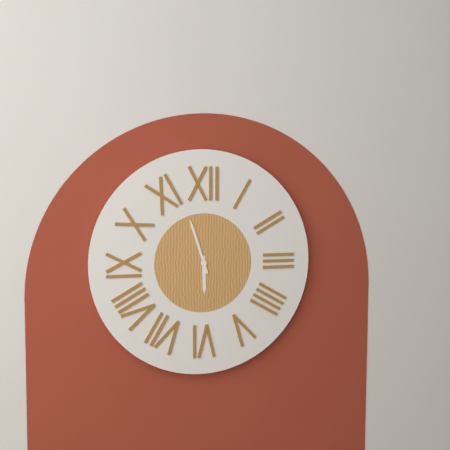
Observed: 5 h 57 min
